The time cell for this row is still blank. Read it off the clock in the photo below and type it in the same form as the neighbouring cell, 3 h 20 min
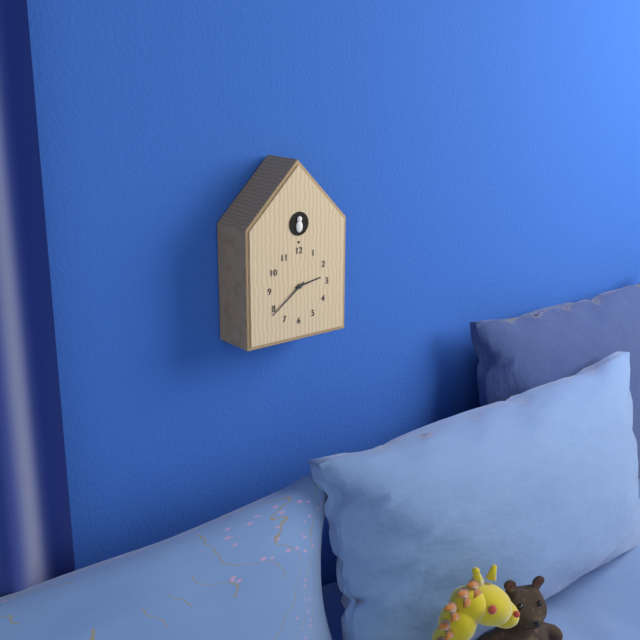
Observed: 2 h 39 min
